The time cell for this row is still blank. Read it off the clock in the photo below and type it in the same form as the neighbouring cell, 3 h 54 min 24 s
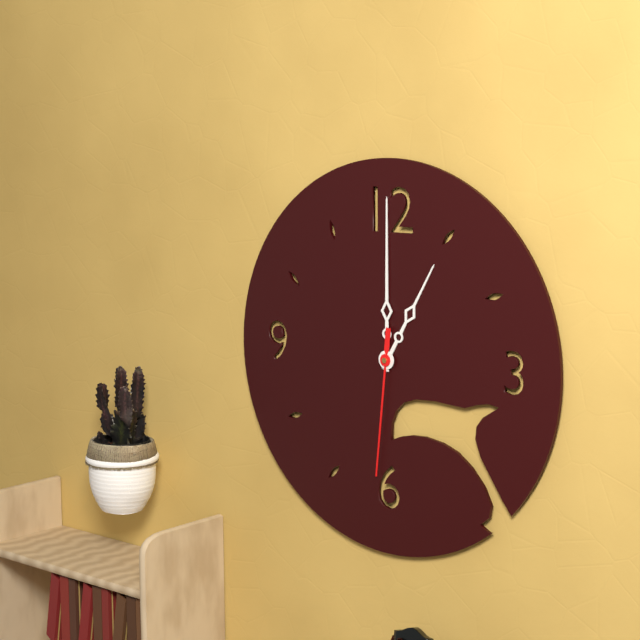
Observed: 1 h 00 min 31 s
